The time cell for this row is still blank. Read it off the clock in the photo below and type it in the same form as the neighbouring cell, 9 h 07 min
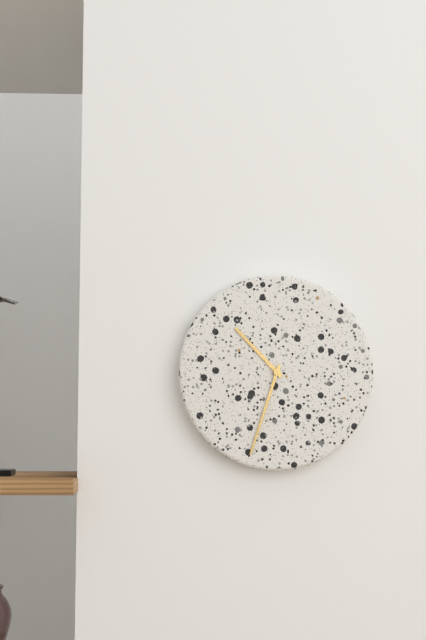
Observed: 10 h 33 min
